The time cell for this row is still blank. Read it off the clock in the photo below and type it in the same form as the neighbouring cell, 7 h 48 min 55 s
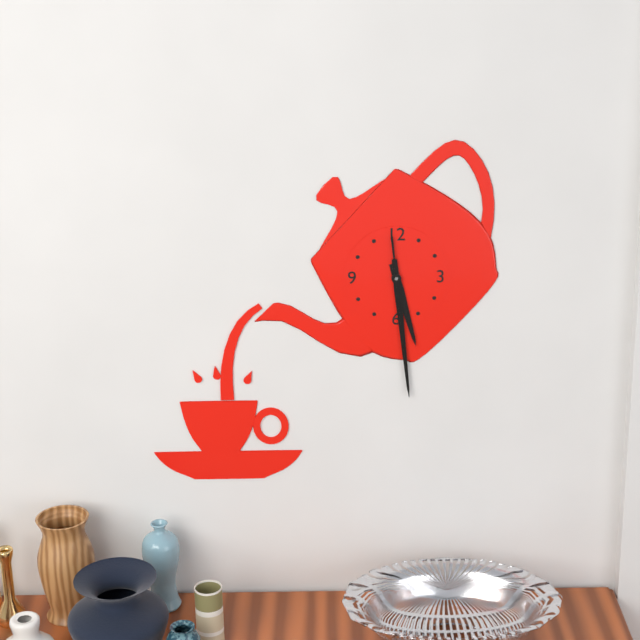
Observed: 5 h 29 min 29 s
